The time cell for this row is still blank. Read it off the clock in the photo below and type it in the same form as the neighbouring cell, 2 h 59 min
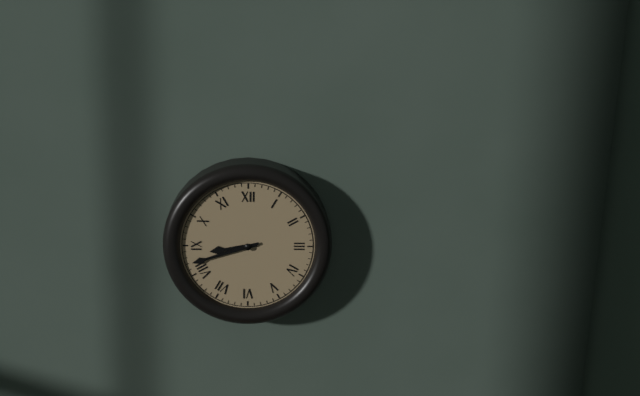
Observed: 8 h 42 min
